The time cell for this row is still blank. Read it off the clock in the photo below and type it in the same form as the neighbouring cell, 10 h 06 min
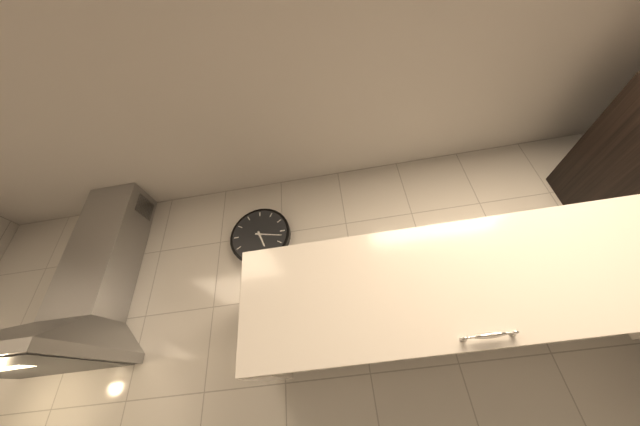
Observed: 5 h 17 min
